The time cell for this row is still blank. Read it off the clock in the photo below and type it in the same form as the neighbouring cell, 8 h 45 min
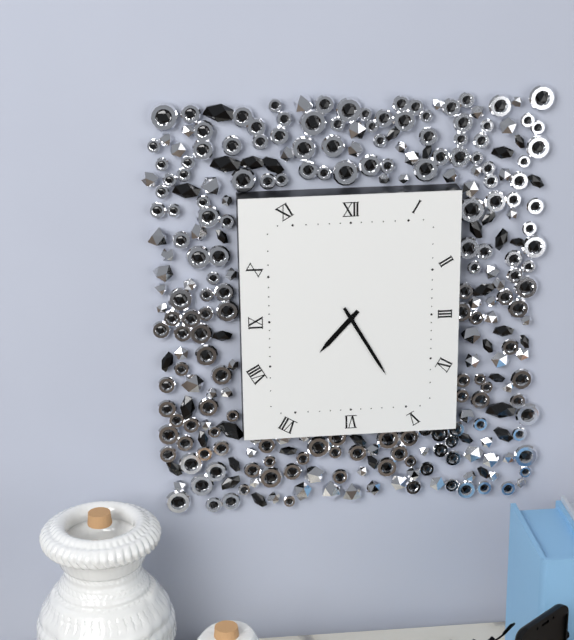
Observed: 7 h 25 min
